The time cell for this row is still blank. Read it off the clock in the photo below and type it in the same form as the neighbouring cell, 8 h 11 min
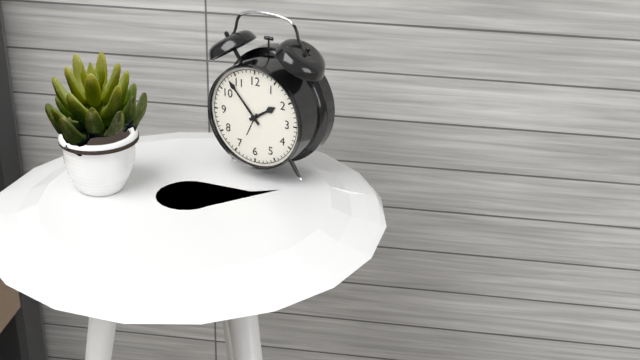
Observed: 1 h 53 min
